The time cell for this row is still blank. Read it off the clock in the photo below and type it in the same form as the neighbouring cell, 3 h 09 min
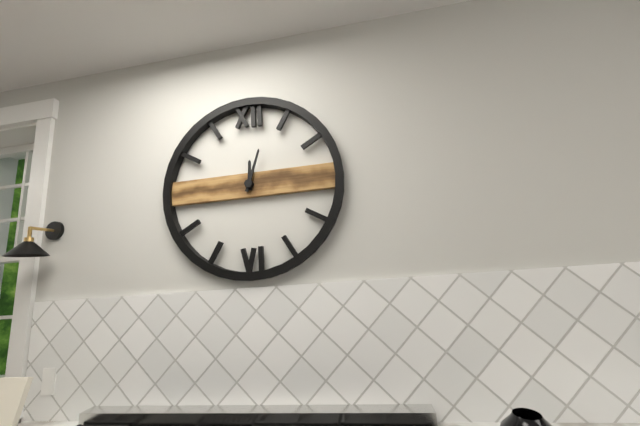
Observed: 12 h 03 min
